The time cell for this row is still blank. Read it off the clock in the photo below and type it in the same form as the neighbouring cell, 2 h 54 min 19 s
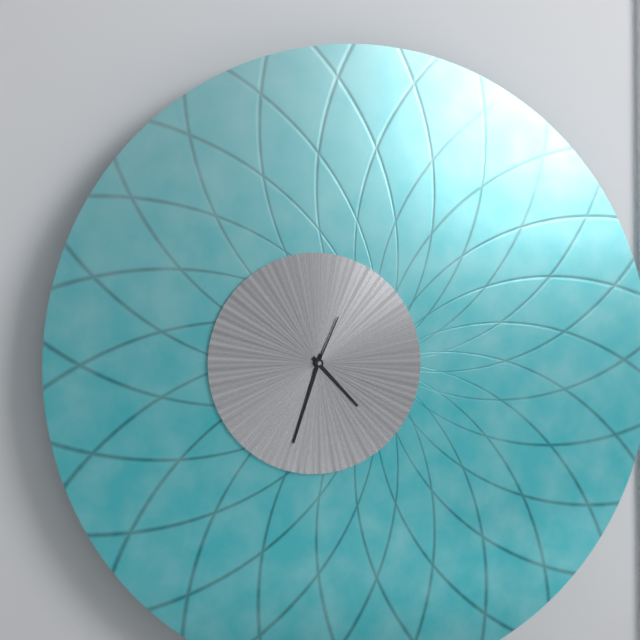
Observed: 4 h 33 min 04 s
